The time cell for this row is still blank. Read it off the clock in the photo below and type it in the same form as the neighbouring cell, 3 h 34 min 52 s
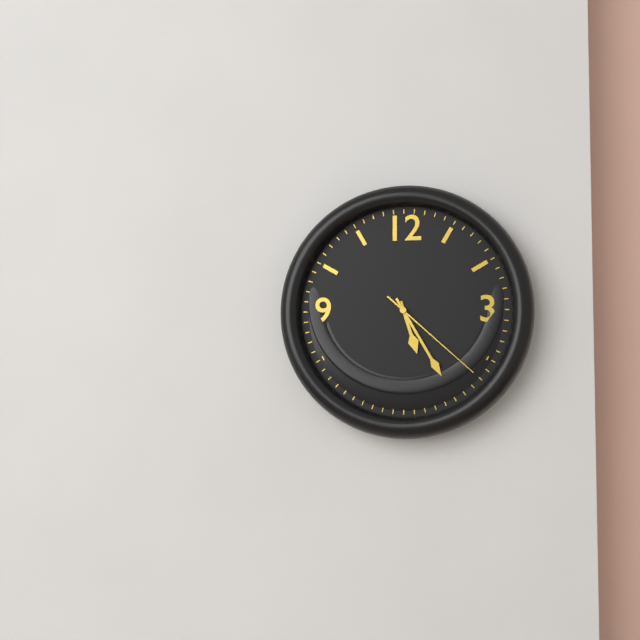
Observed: 5 h 25 min 22 s
